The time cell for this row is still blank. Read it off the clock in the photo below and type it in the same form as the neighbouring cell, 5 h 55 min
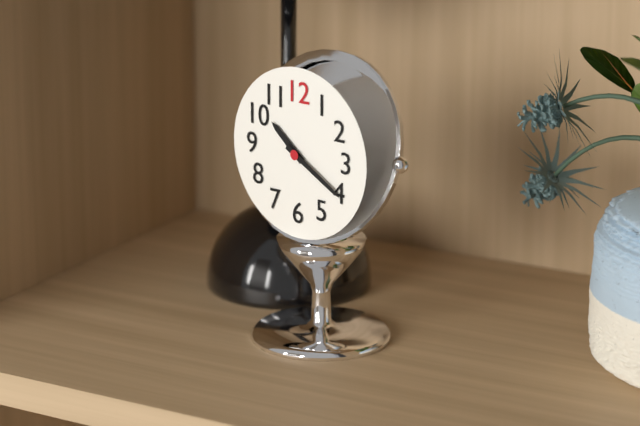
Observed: 10 h 20 min
